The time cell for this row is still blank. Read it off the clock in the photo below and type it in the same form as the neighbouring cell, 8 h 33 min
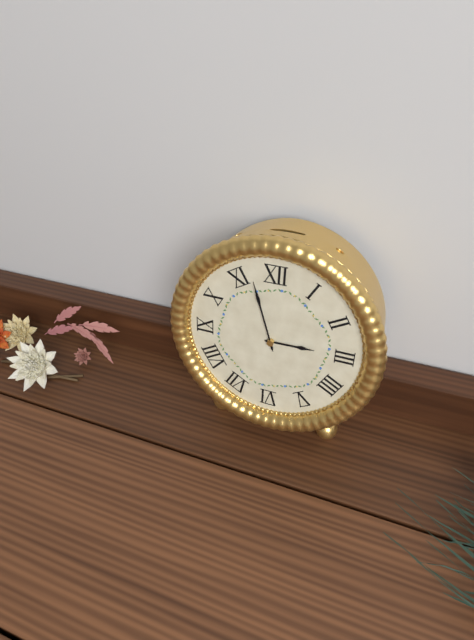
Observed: 2 h 57 min
